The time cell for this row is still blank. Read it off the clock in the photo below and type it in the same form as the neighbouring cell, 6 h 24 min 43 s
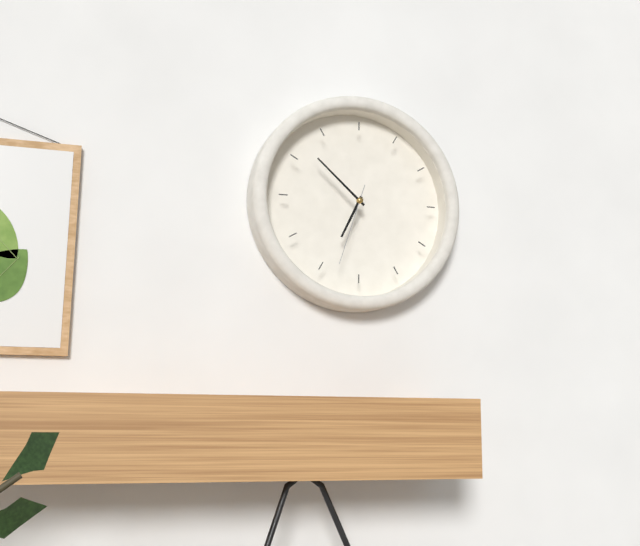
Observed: 6 h 52 min 33 s
